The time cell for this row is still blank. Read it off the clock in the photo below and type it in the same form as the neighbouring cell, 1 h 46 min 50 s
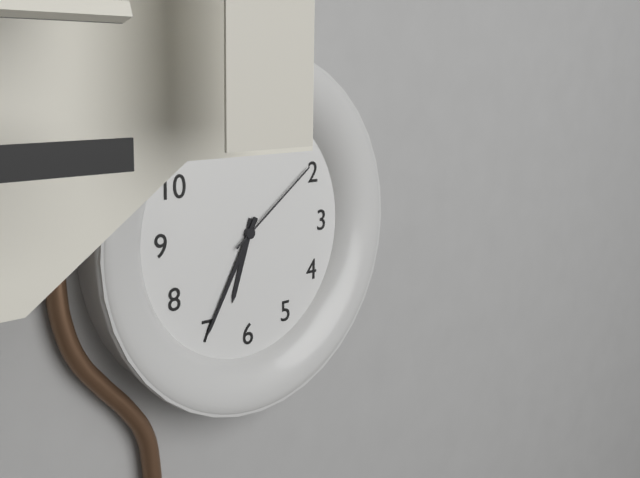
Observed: 6 h 35 min 09 s
